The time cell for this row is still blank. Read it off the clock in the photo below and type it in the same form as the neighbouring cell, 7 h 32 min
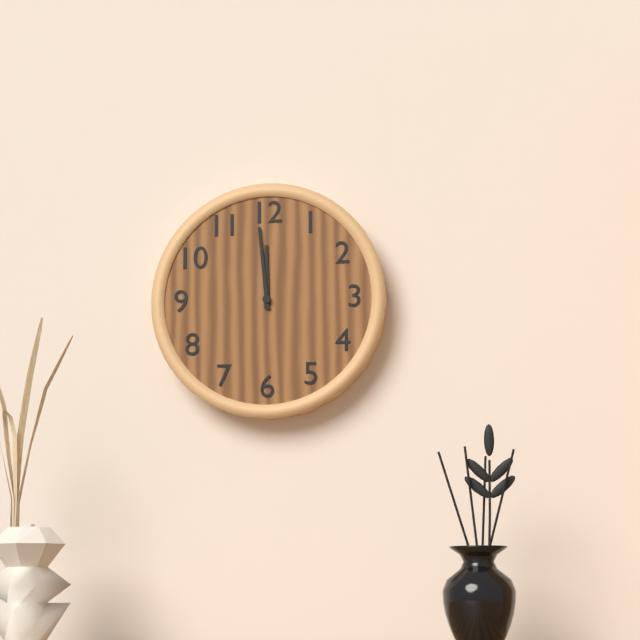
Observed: 11 h 59 min
